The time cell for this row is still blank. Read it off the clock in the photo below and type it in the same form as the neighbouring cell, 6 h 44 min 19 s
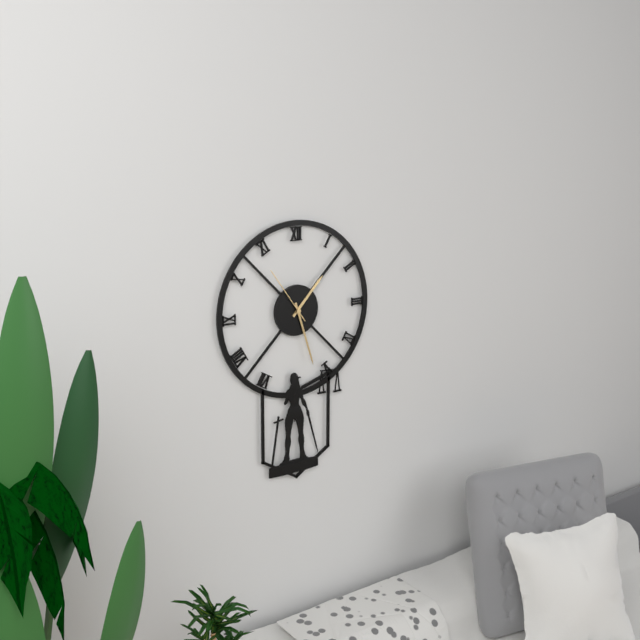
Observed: 1 h 27 min 54 s
